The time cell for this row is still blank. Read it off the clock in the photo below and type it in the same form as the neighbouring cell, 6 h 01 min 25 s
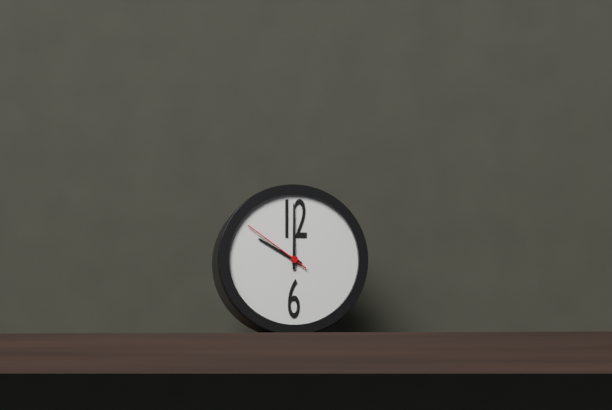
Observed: 10 h 00 min 51 s
